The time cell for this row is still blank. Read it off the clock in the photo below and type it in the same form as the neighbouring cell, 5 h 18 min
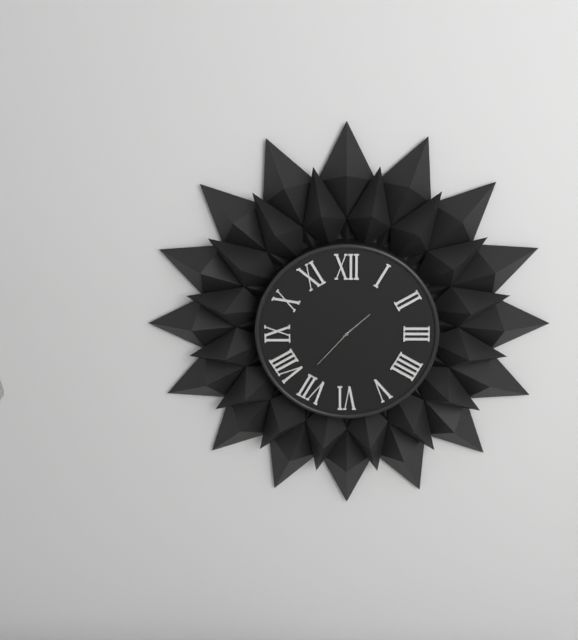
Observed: 1 h 37 min
